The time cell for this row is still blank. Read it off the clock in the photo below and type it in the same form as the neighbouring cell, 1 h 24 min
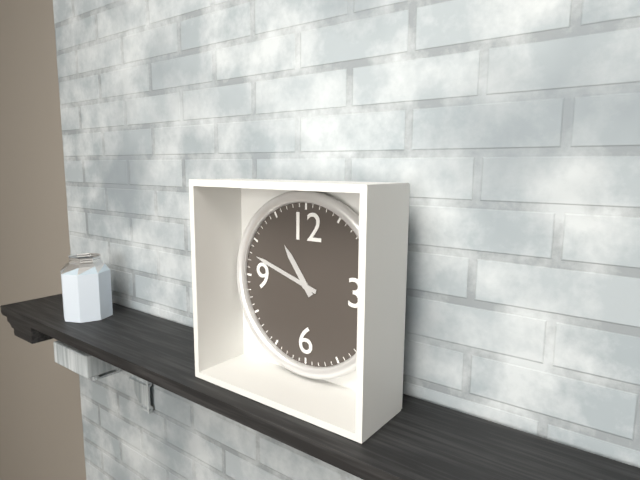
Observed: 10 h 48 min
